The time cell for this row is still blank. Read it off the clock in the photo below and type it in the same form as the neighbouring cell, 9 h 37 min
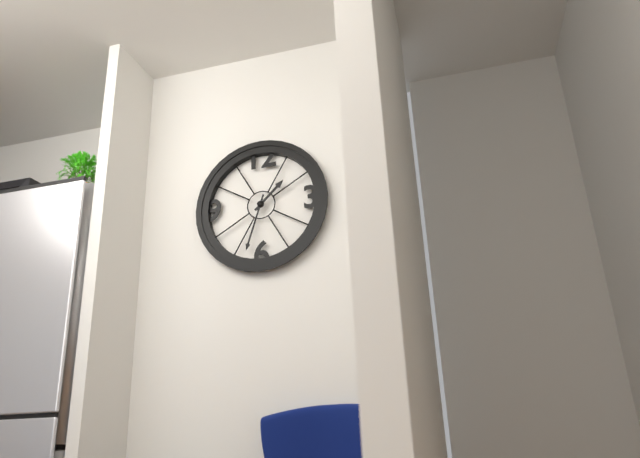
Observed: 1 h 33 min
